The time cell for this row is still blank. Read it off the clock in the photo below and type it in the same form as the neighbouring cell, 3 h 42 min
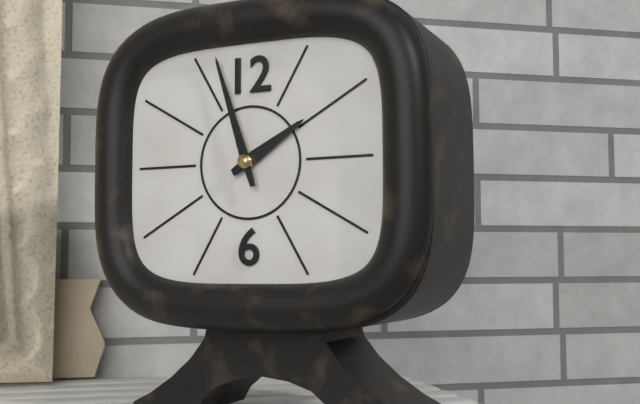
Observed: 1 h 57 min
